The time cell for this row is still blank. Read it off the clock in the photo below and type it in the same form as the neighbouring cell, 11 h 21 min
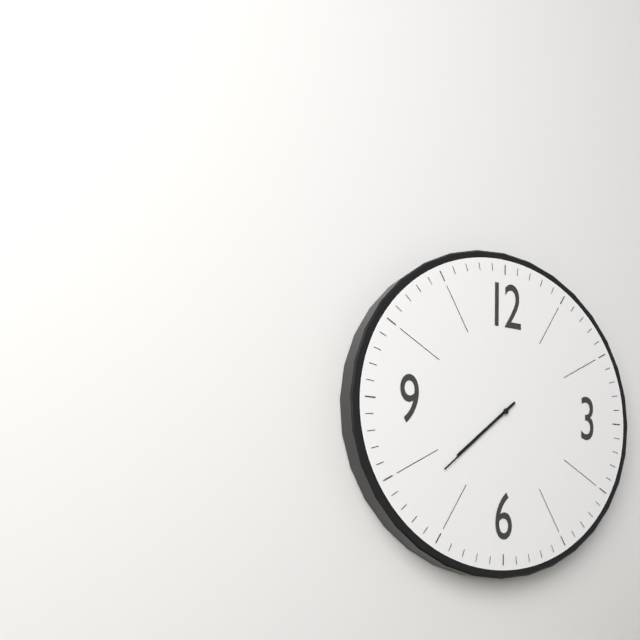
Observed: 7 h 38 min
